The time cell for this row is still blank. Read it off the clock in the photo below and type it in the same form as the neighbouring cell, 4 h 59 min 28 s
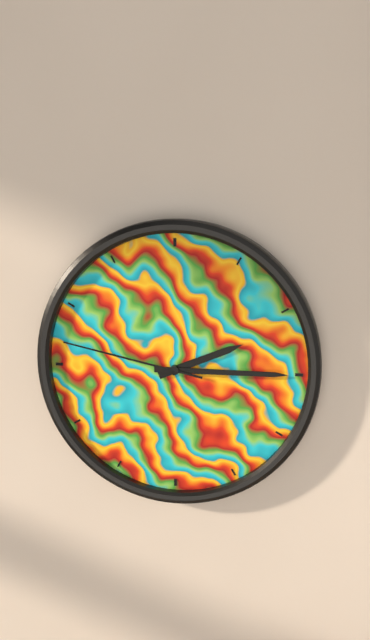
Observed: 2 h 15 min 47 s
